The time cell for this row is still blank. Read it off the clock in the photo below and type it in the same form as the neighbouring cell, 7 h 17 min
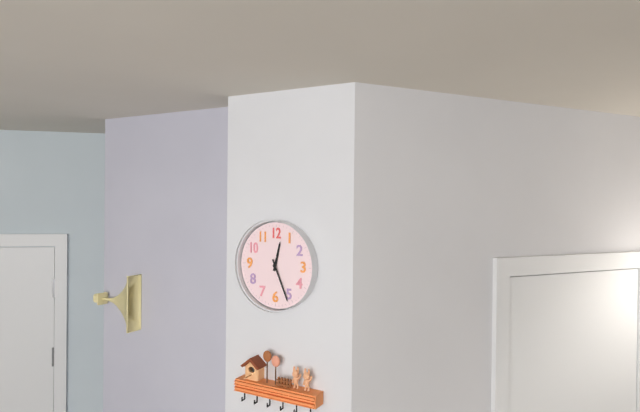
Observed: 12 h 26 min
